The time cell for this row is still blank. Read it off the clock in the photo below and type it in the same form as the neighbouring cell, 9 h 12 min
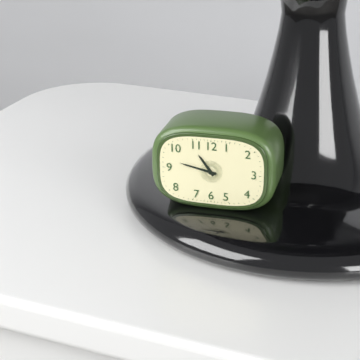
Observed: 10 h 47 min
